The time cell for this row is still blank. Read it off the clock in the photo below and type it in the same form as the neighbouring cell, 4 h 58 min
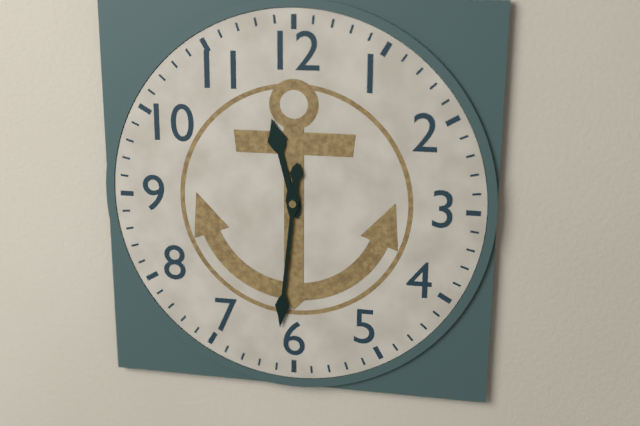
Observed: 11 h 31 min
